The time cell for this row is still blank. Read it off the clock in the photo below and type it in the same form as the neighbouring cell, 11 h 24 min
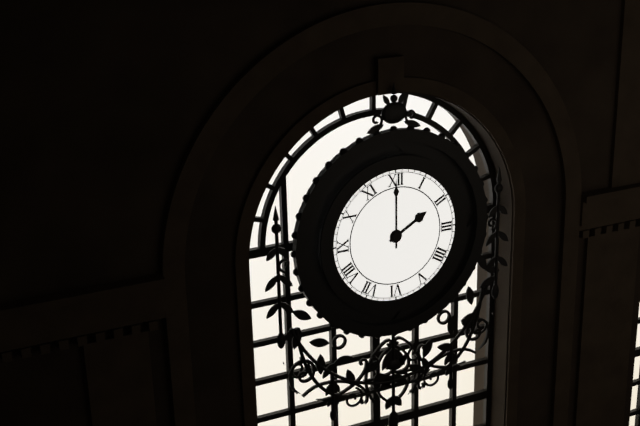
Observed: 2 h 00 min
